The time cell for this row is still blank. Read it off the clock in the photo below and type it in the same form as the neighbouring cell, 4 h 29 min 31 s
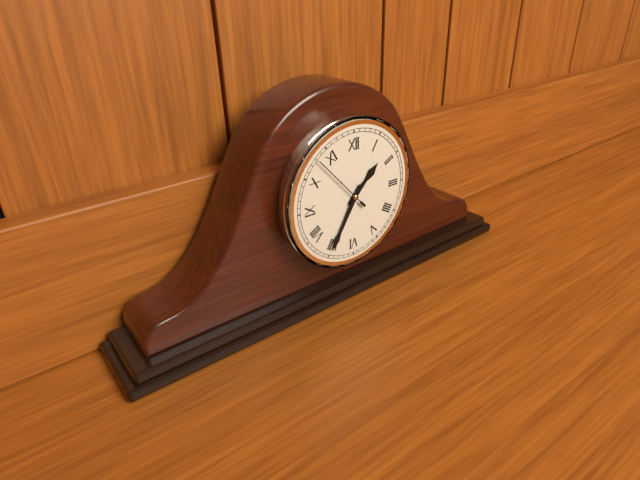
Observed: 1 h 35 min 53 s
